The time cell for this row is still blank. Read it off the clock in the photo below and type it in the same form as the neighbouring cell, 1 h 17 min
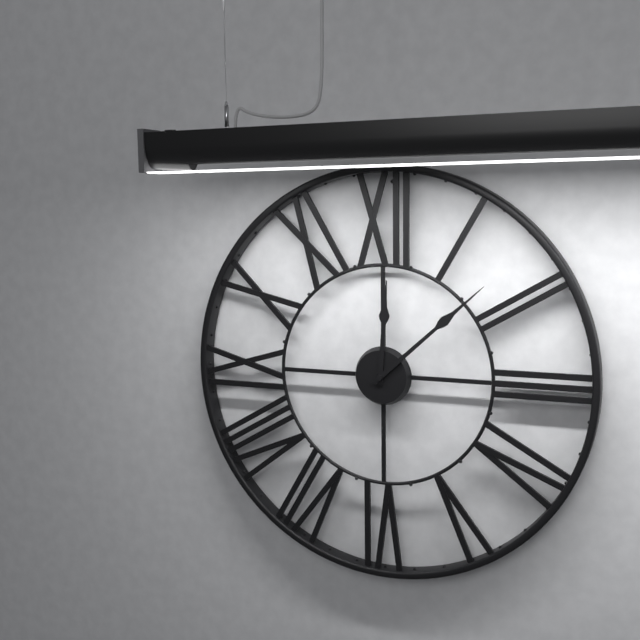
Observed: 12 h 08 min
